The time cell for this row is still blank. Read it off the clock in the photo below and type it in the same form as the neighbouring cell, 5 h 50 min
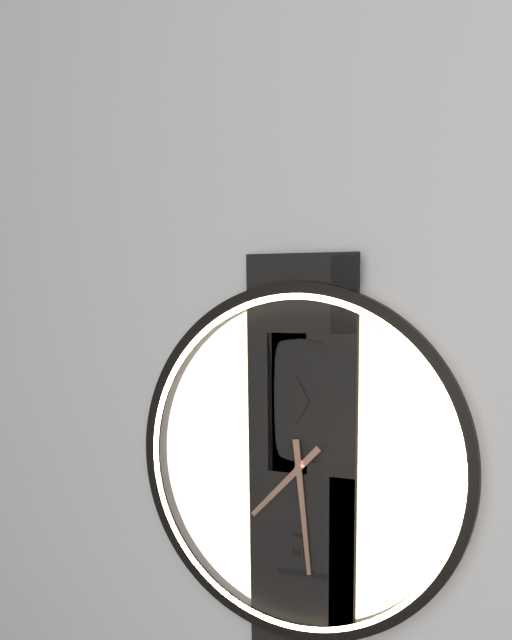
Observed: 7 h 29 min
